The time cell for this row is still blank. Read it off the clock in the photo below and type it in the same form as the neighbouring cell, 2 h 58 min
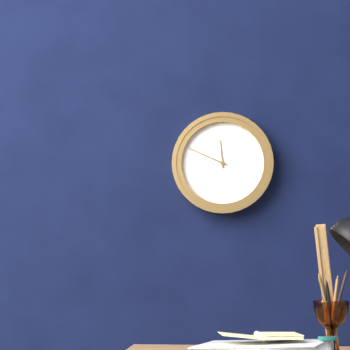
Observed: 11 h 49 min
